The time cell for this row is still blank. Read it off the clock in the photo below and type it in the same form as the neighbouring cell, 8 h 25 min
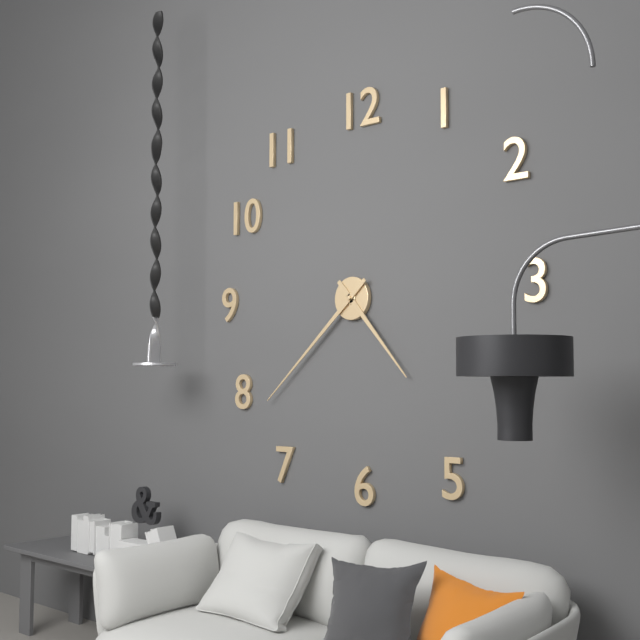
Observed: 4 h 38 min
